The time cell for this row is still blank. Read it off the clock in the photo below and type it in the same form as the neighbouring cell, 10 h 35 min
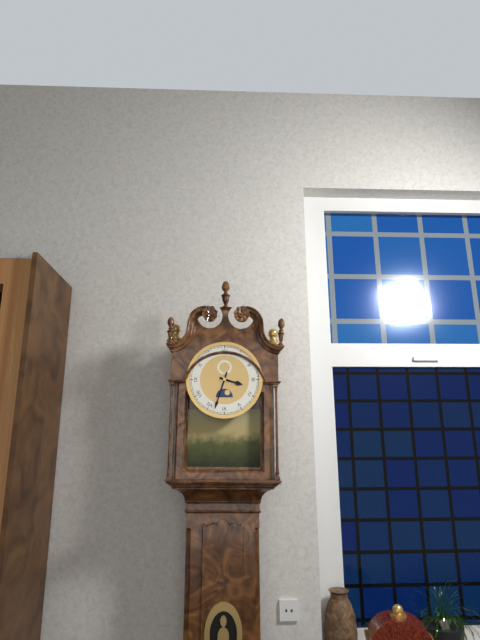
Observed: 3 h 33 min
